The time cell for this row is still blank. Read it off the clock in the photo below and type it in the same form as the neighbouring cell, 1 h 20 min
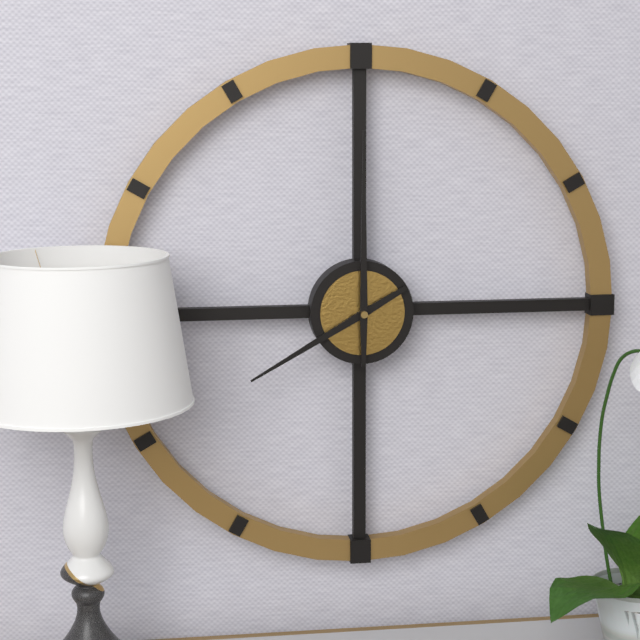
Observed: 8 h 00 min
